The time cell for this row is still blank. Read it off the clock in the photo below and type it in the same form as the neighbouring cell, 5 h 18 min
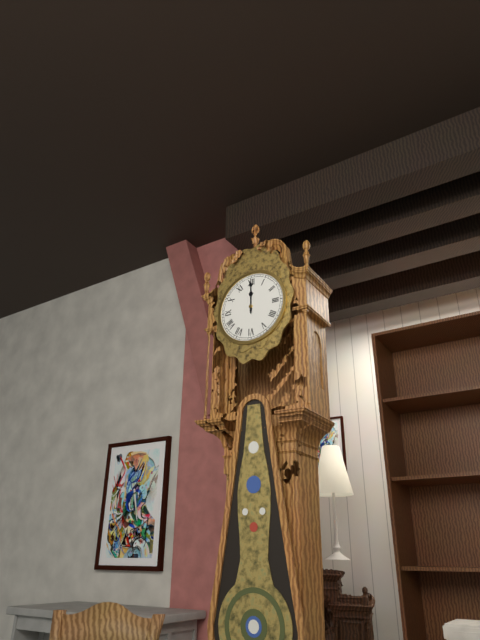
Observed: 12 h 00 min
